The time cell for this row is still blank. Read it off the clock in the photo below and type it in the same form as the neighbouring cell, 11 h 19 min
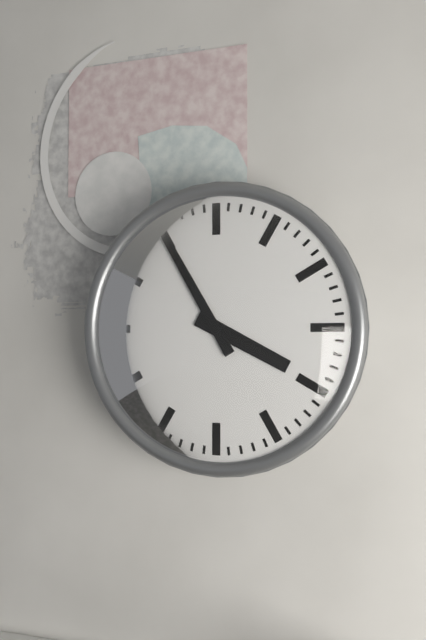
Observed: 3 h 55 min
